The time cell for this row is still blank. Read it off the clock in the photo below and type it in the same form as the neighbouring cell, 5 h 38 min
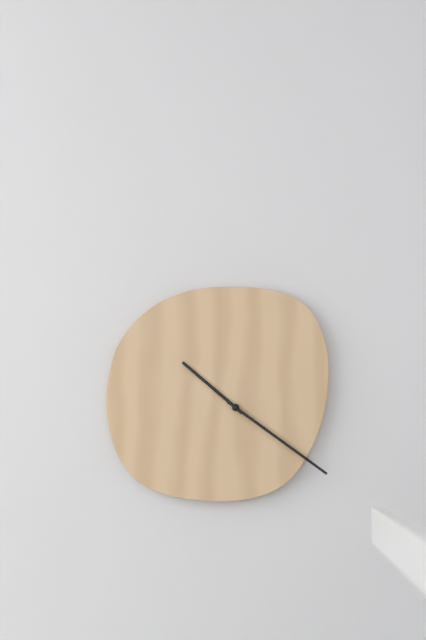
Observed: 10 h 21 min
